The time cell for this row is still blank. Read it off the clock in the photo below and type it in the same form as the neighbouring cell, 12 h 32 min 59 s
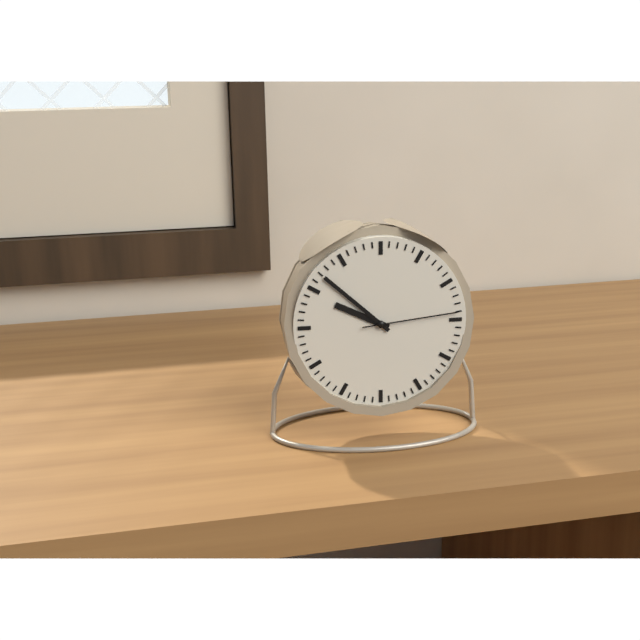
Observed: 9 h 52 min 14 s
